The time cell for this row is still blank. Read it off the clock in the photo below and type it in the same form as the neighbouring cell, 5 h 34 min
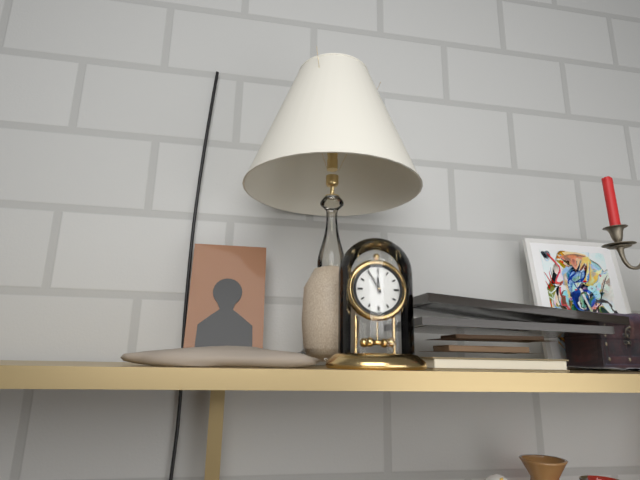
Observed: 11 h 55 min
